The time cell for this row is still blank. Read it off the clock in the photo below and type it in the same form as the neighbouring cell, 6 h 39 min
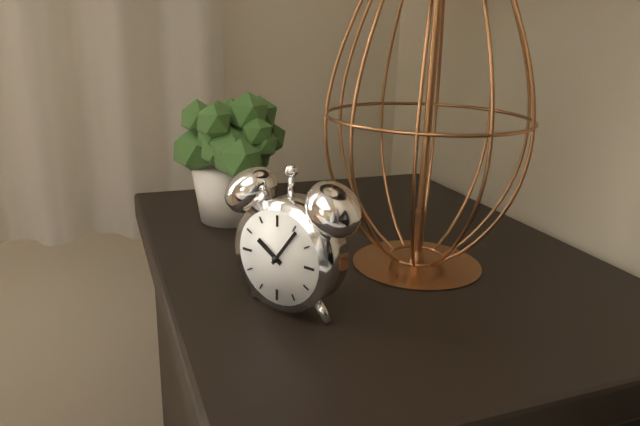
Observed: 10 h 06 min
